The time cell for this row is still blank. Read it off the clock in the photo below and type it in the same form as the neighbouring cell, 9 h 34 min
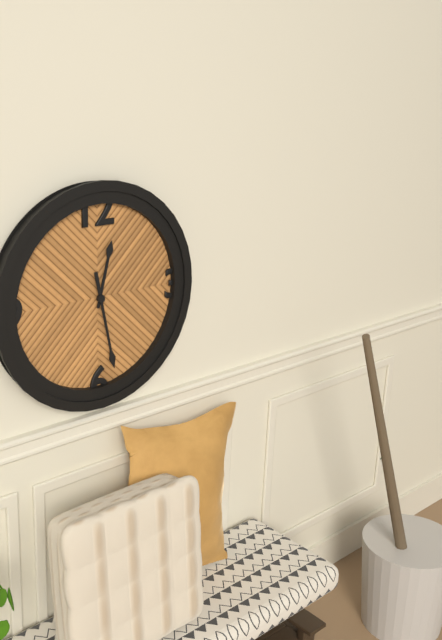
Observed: 12 h 28 min
